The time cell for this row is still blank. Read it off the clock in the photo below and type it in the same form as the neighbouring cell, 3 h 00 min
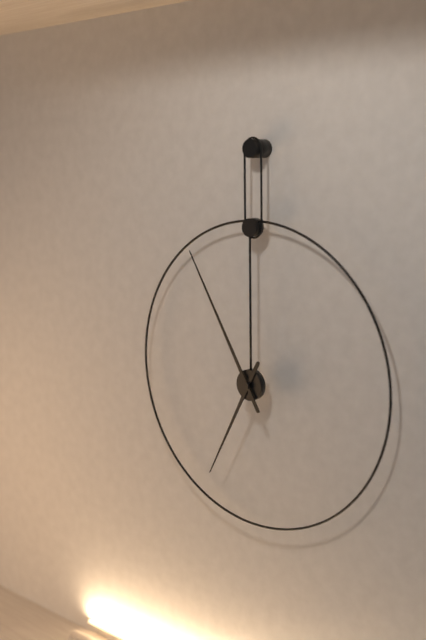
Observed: 6 h 55 min
